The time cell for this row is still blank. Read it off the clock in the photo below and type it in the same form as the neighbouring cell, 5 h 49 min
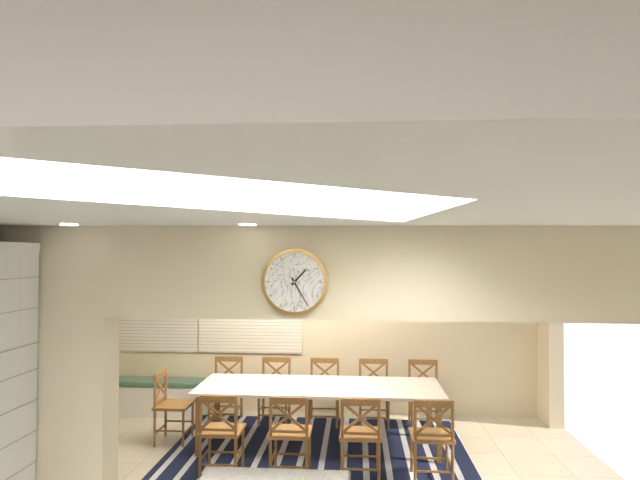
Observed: 1 h 25 min
